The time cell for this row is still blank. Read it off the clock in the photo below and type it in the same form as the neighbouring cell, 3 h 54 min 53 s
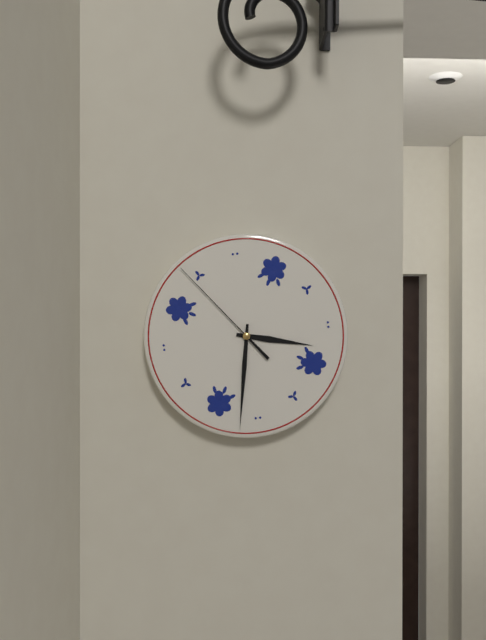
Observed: 3 h 32 min 54 s
